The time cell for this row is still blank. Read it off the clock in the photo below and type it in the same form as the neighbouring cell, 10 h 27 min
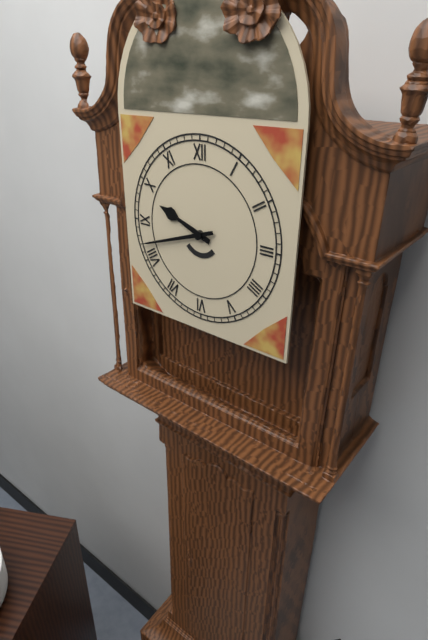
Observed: 9 h 42 min
